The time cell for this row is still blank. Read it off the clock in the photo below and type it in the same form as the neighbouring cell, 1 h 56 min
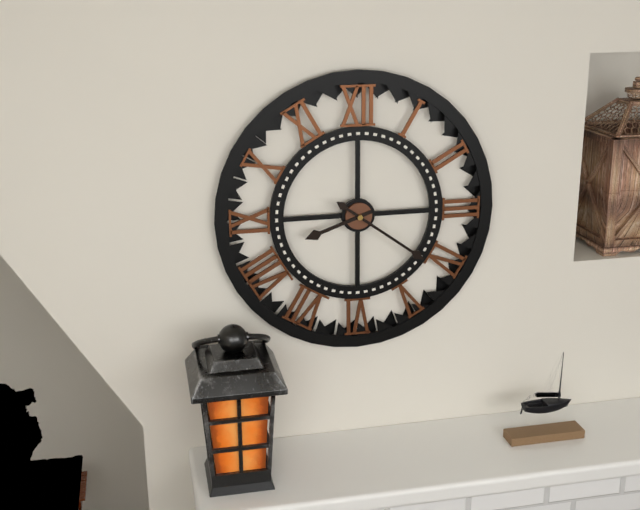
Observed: 8 h 21 min
